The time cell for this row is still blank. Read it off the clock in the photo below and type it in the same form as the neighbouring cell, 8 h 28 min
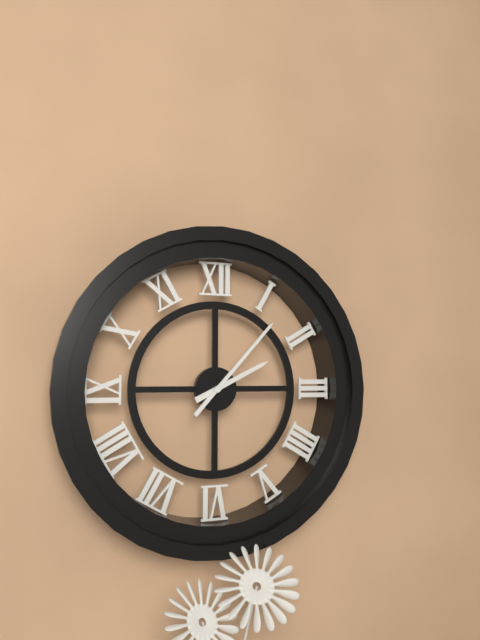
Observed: 2 h 07 min
